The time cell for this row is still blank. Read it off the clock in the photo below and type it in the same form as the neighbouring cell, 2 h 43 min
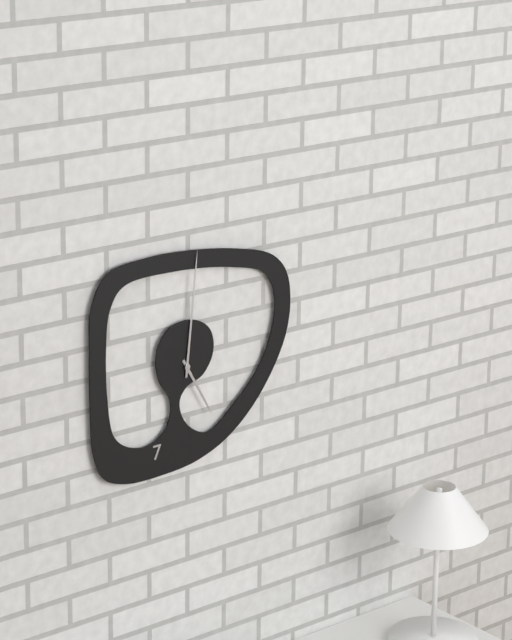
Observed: 5 h 01 min
